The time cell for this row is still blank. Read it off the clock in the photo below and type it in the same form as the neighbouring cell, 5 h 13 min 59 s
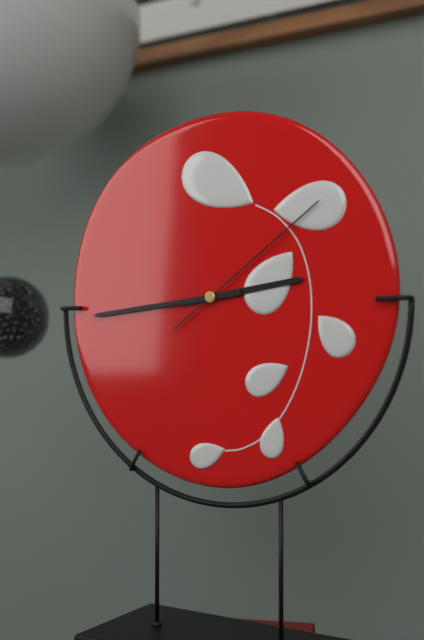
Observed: 2 h 44 min 09 s
